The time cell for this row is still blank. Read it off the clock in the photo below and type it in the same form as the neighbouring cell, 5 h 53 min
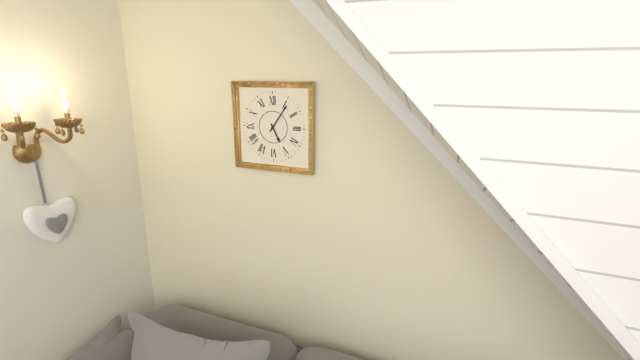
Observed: 5 h 06 min
